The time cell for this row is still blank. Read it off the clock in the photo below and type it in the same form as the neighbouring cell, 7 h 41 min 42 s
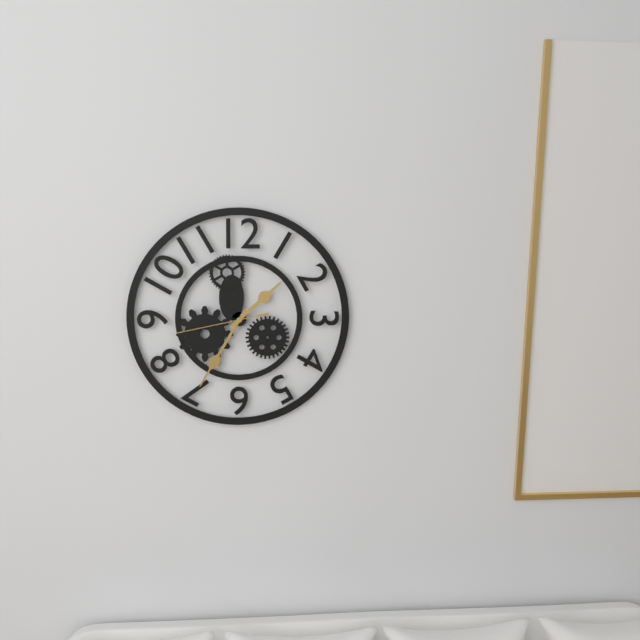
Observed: 1 h 35 min 43 s
